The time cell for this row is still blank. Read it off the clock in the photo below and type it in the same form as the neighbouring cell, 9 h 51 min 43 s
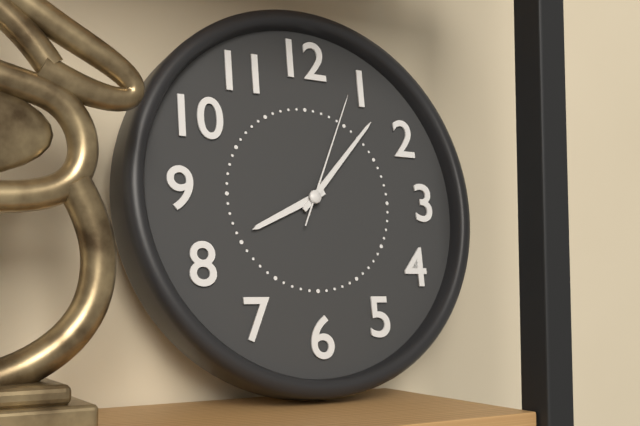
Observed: 8 h 07 min 04 s
